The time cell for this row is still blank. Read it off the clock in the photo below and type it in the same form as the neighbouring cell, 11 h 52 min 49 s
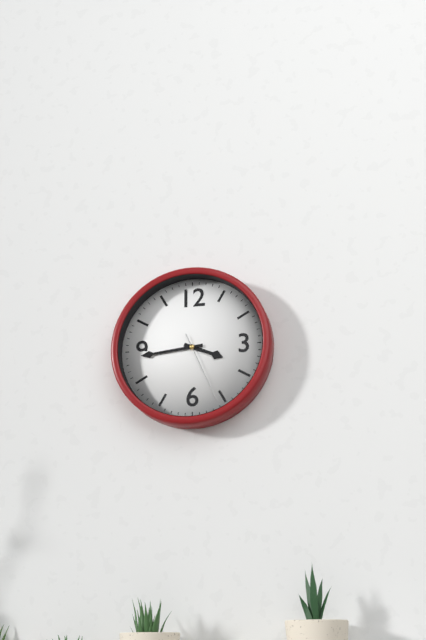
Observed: 3 h 44 min 26 s
